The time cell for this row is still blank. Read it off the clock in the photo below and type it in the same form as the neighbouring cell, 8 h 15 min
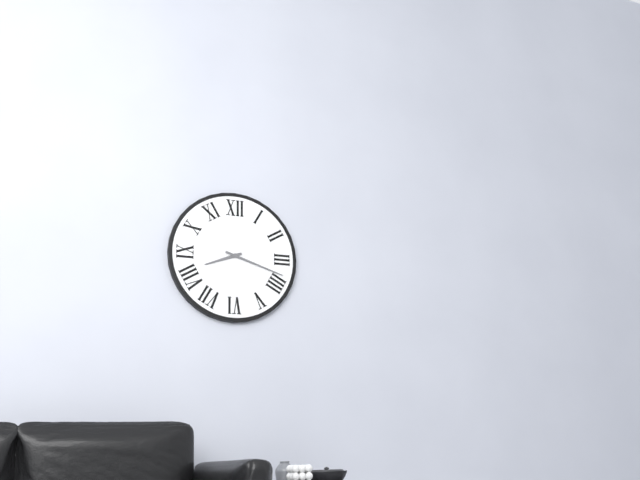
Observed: 8 h 18 min
